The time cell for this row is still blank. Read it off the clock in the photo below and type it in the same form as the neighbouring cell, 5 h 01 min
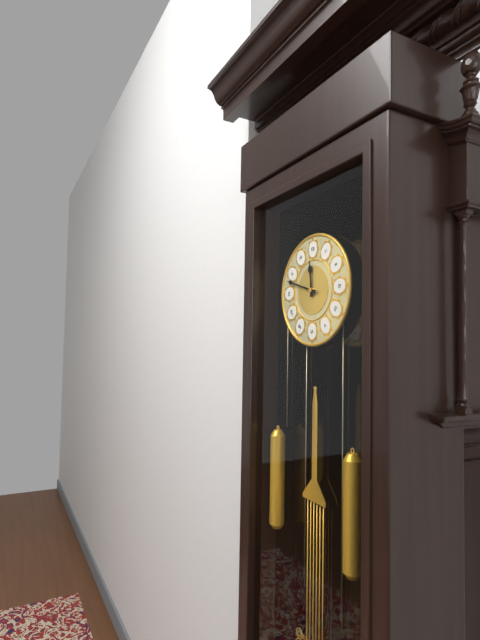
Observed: 11 h 48 min
